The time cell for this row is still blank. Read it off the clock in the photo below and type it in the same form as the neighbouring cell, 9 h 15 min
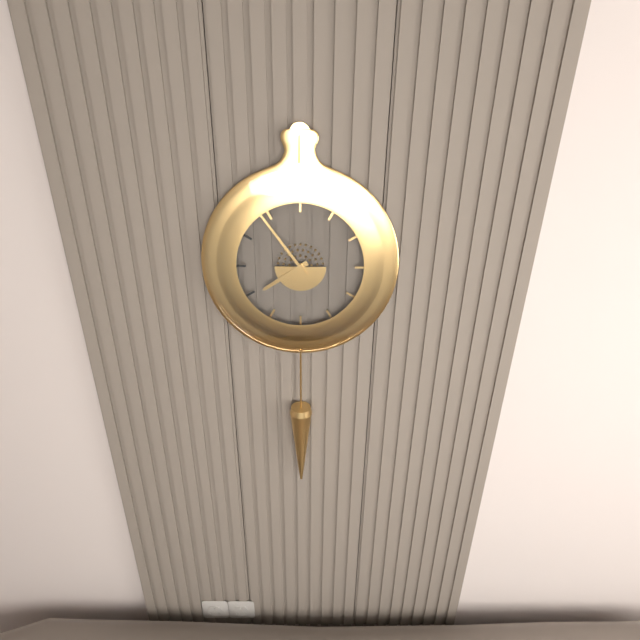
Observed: 7 h 54 min
